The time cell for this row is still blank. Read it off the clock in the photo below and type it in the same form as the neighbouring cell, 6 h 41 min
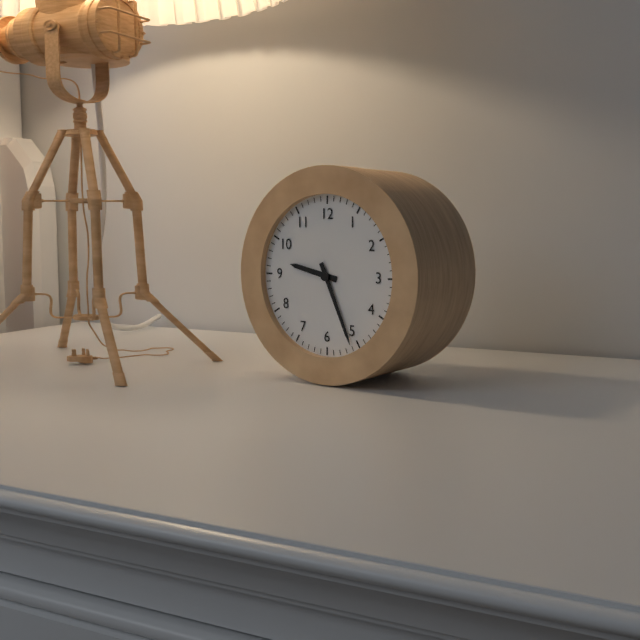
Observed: 9 h 26 min
